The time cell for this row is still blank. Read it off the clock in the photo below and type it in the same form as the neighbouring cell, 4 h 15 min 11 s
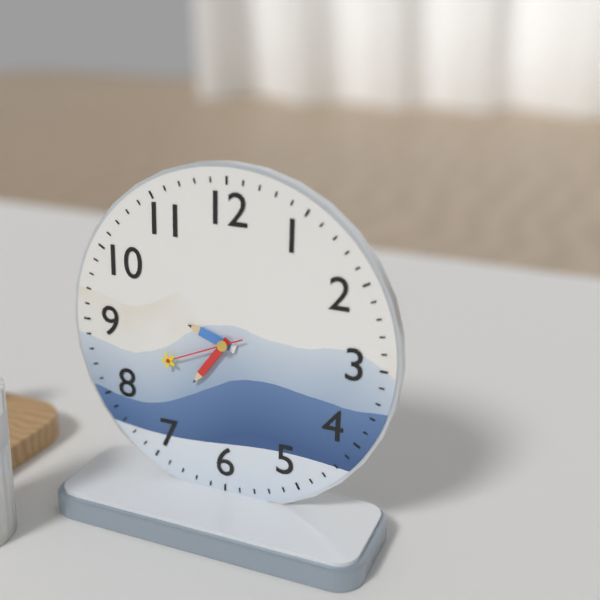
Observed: 9 h 36 min 41 s
